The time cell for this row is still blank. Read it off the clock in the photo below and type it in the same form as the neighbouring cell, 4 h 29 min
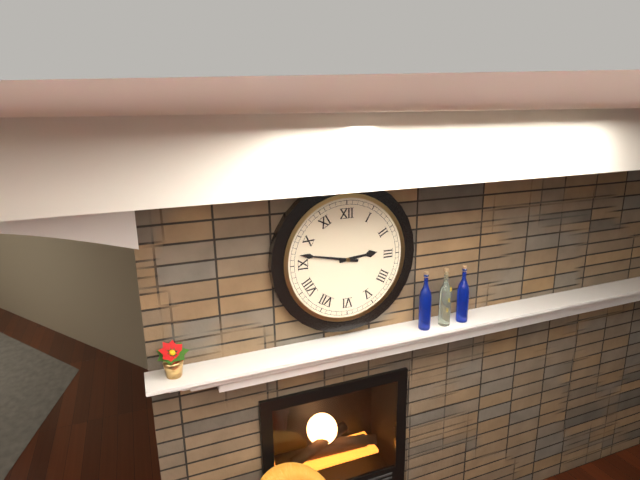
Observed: 2 h 47 min
